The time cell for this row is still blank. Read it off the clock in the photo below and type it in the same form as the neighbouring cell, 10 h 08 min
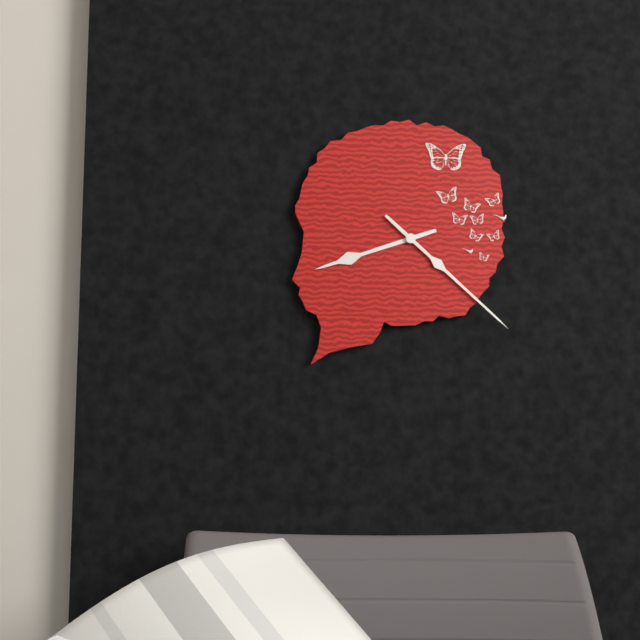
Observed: 8 h 22 min
